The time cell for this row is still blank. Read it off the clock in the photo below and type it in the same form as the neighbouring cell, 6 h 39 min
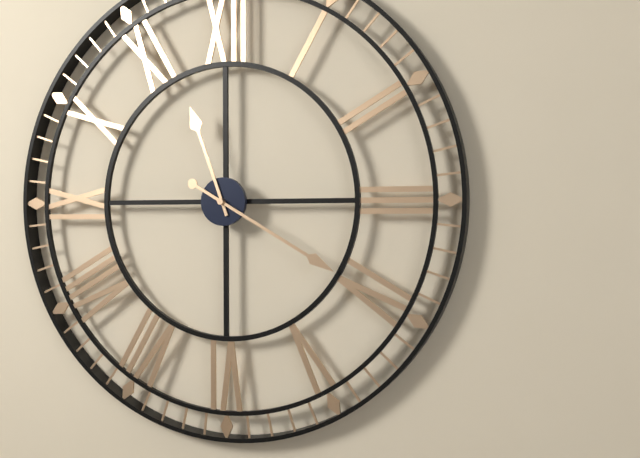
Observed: 11 h 20 min
